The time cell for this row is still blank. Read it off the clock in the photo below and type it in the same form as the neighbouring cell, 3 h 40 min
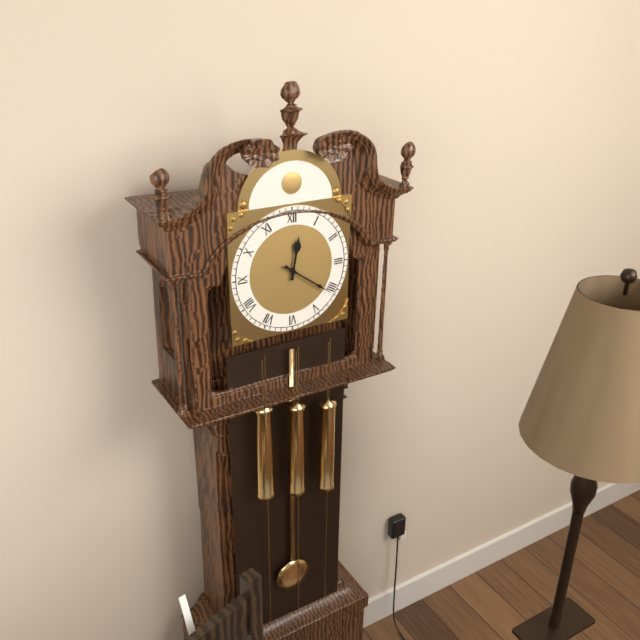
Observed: 12 h 21 min
